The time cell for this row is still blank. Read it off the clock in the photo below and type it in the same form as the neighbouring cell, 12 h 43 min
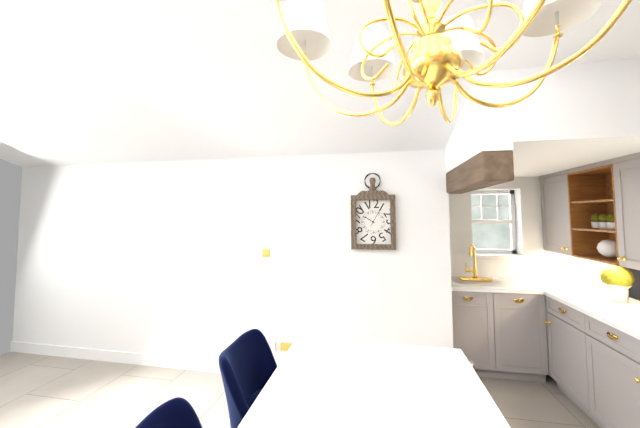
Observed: 10 h 05 min
